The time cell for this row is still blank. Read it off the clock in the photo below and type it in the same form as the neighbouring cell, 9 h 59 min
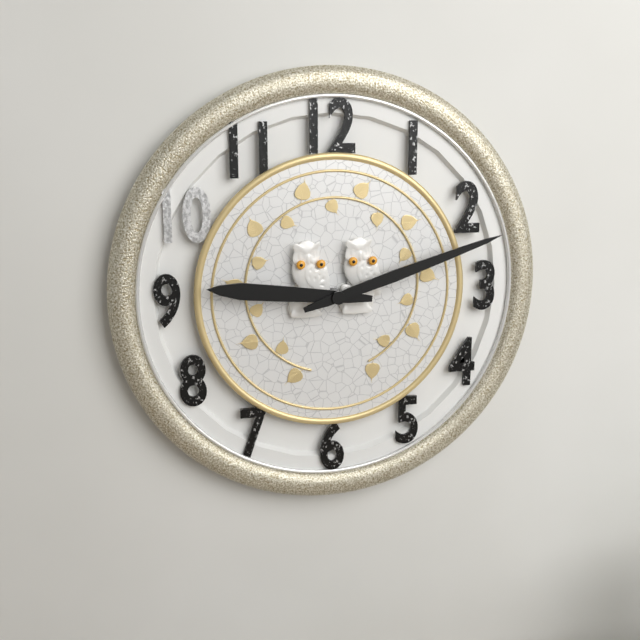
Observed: 9 h 12 min
